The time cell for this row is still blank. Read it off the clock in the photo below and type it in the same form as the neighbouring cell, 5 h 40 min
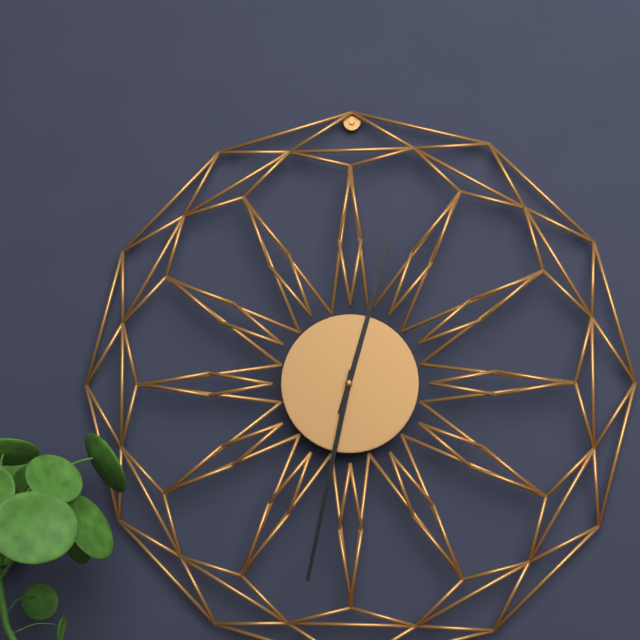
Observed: 12 h 32 min
